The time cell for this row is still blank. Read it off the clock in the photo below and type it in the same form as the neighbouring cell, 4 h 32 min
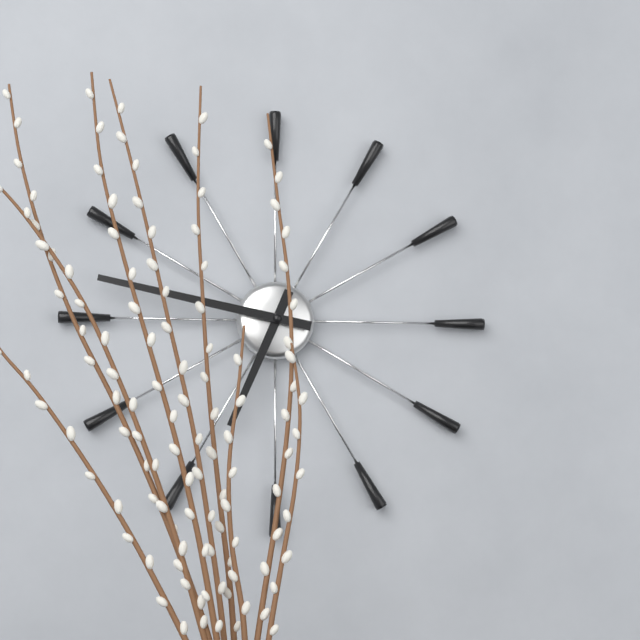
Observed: 6 h 47 min
